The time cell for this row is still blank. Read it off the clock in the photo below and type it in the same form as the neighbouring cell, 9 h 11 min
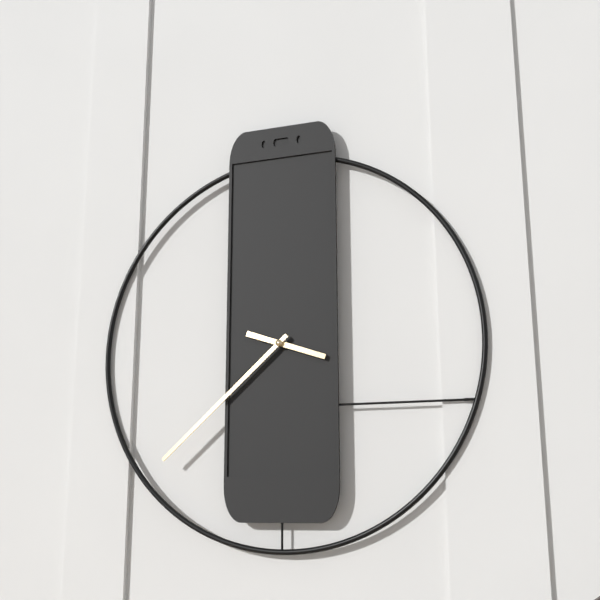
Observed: 3 h 38 min
